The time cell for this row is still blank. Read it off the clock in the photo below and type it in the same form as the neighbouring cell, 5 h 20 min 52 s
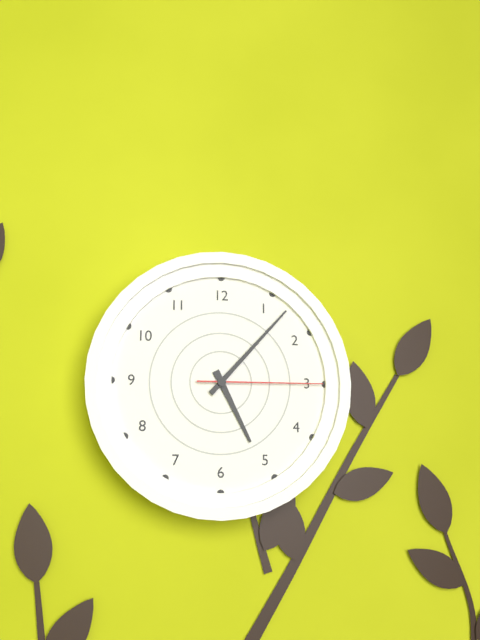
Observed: 5 h 07 min 15 s
